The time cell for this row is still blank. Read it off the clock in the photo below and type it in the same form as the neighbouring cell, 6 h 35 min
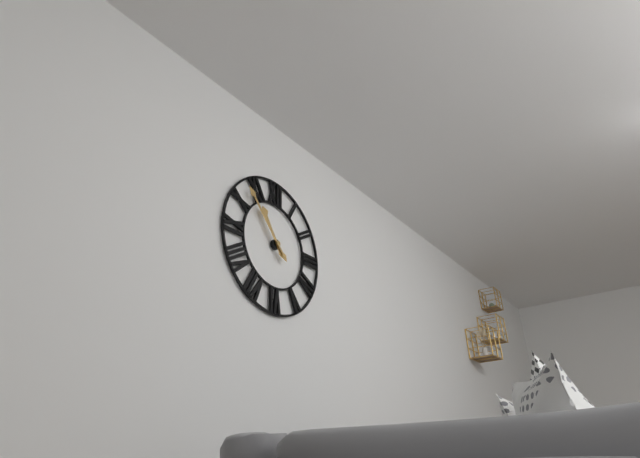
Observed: 10 h 53 min
